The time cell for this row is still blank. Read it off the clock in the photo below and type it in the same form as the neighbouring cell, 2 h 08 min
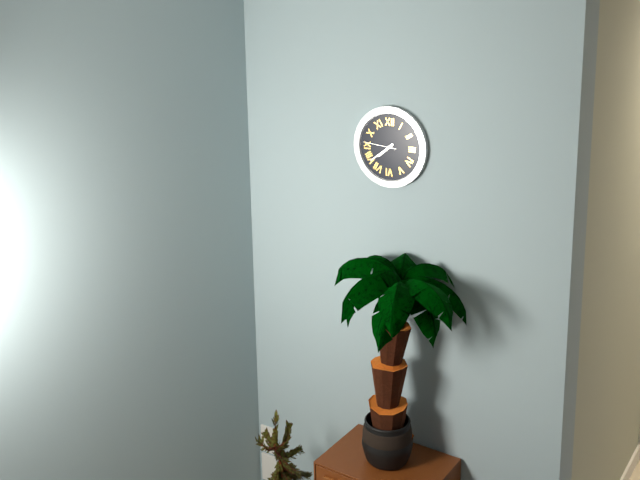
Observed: 7 h 39 min
